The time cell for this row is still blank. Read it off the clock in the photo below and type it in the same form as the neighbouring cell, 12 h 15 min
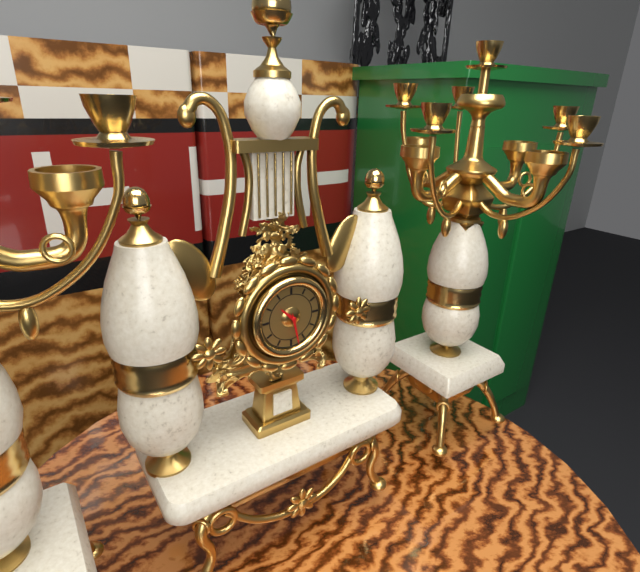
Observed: 10 h 28 min
